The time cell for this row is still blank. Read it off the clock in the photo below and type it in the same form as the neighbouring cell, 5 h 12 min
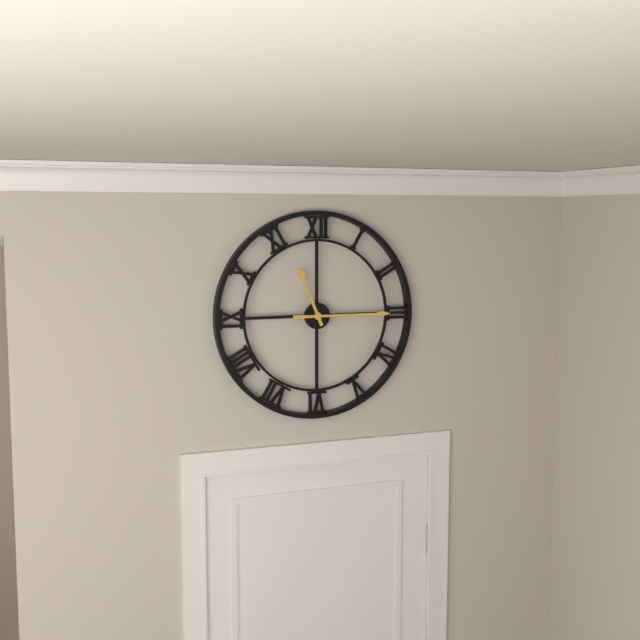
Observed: 11 h 15 min
